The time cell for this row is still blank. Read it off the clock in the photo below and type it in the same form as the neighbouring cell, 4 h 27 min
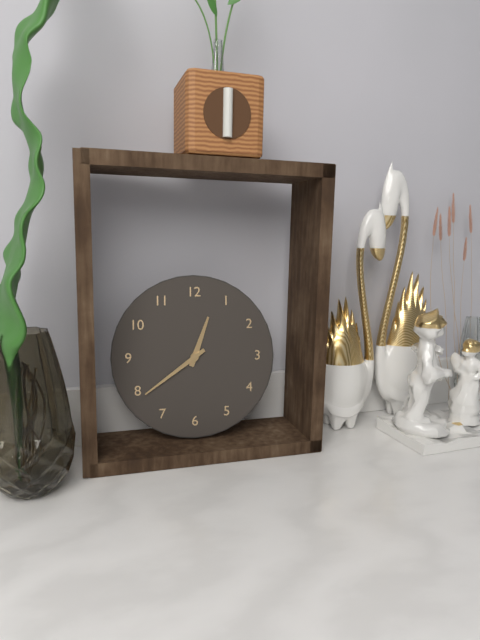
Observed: 12 h 39 min
